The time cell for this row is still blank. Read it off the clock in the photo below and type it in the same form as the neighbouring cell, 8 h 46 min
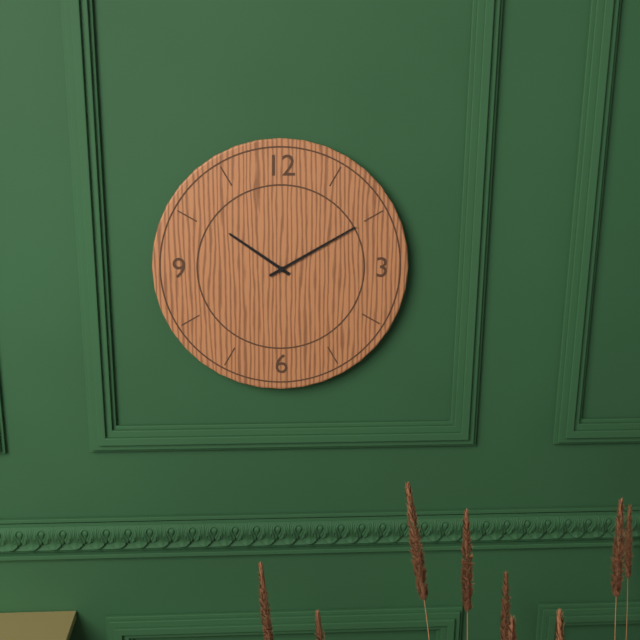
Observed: 10 h 10 min
